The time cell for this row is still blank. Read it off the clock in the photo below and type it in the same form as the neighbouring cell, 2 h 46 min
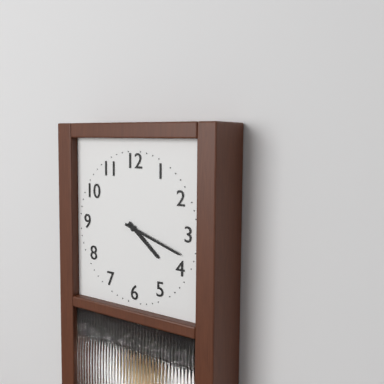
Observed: 4 h 18 min
